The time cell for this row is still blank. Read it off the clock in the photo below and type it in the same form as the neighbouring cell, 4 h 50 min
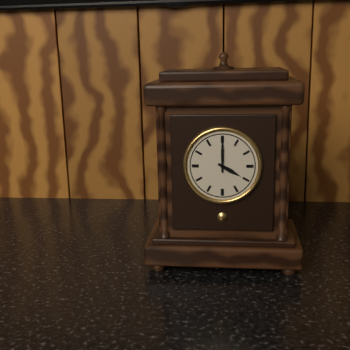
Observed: 4 h 00 min
